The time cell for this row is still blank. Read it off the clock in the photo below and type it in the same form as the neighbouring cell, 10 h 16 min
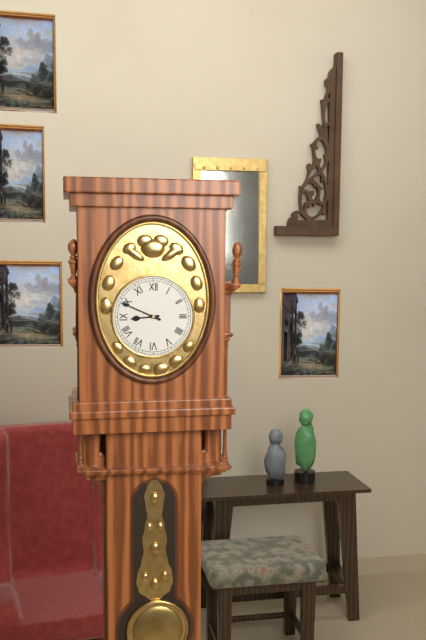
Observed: 8 h 49 min
